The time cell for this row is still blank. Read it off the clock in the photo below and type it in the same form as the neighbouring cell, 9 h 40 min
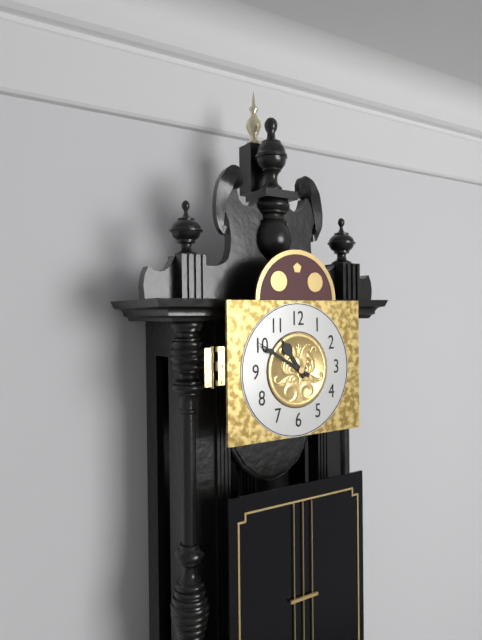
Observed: 10 h 50 min
